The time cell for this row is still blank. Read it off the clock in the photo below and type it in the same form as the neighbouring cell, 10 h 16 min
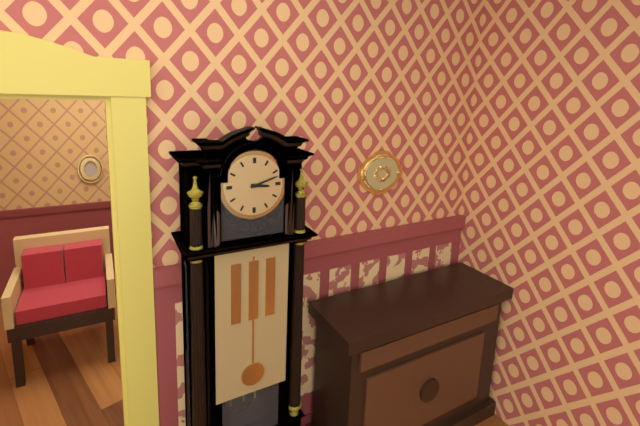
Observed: 3 h 12 min
